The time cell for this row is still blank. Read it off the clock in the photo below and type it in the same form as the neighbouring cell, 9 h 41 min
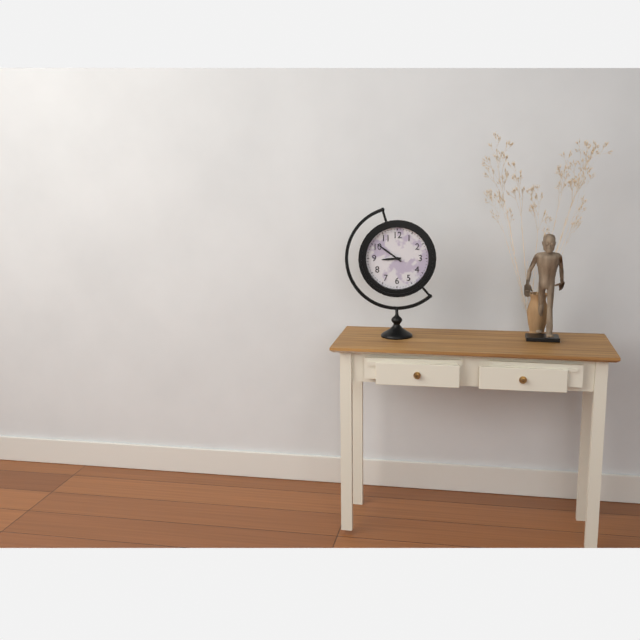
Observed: 8 h 51 min
